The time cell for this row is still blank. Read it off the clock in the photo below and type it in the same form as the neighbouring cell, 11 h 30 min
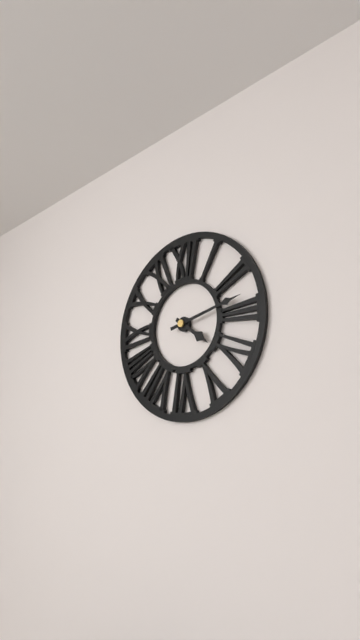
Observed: 4 h 13 min
